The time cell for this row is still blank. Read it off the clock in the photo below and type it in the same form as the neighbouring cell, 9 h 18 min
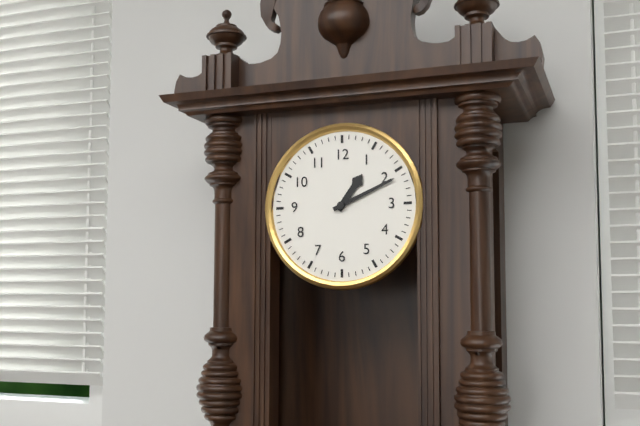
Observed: 1 h 11 min
